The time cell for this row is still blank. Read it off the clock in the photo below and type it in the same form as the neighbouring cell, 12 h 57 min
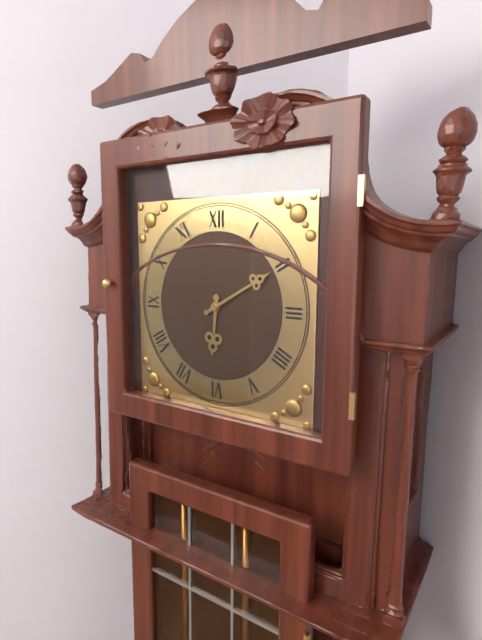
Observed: 6 h 10 min
